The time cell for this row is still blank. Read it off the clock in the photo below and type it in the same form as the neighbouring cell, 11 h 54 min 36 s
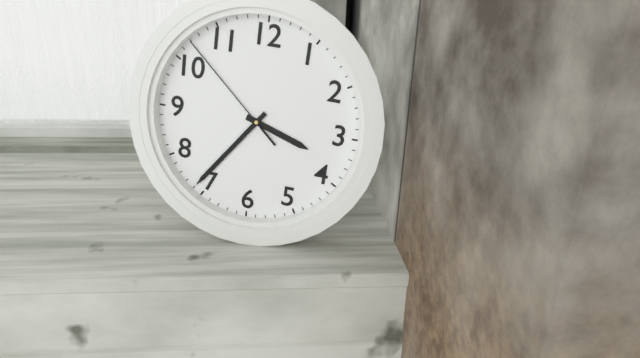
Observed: 3 h 36 min 52 s
